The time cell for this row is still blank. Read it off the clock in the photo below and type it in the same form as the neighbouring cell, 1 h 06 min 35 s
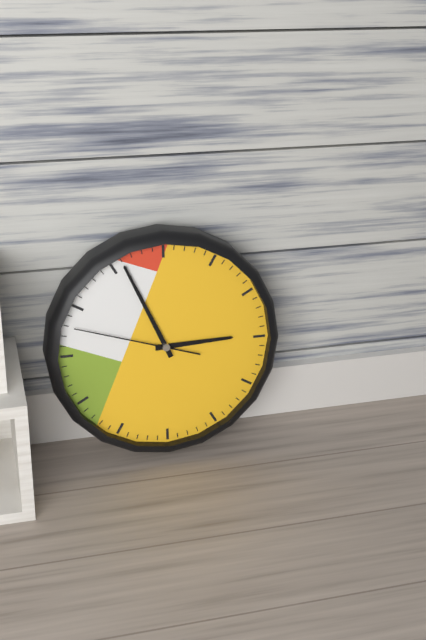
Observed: 2 h 56 min 48 s
